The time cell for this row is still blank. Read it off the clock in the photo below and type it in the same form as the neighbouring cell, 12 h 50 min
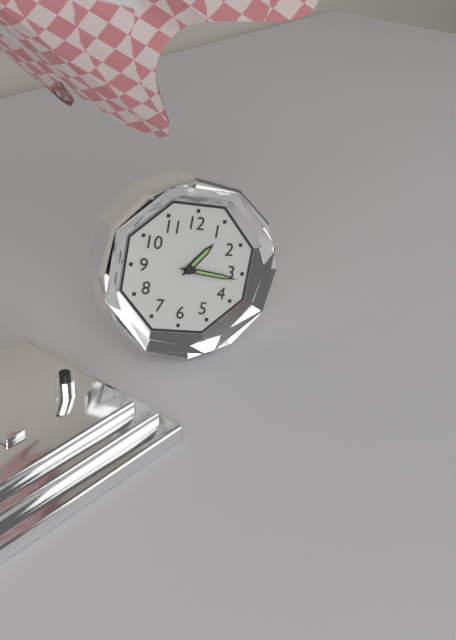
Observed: 1 h 16 min
